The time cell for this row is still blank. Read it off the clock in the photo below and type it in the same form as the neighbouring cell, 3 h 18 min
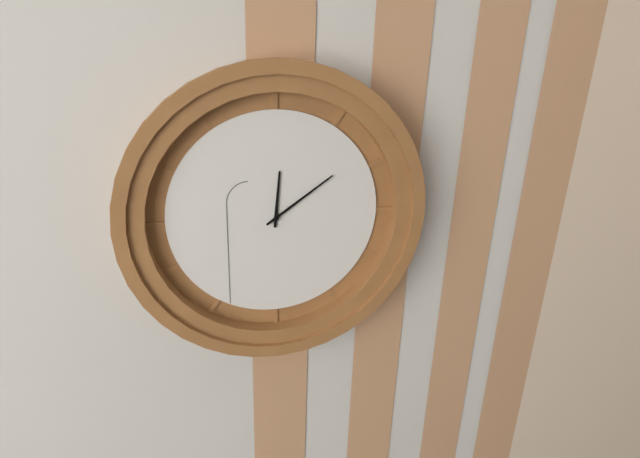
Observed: 12 h 09 min
